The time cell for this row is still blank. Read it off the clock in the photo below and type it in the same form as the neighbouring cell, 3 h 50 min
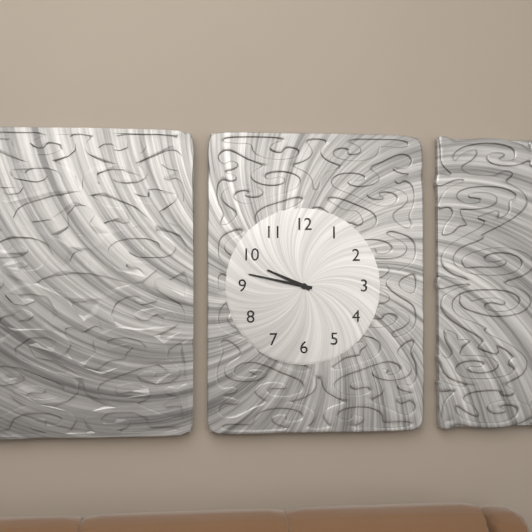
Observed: 9 h 47 min
